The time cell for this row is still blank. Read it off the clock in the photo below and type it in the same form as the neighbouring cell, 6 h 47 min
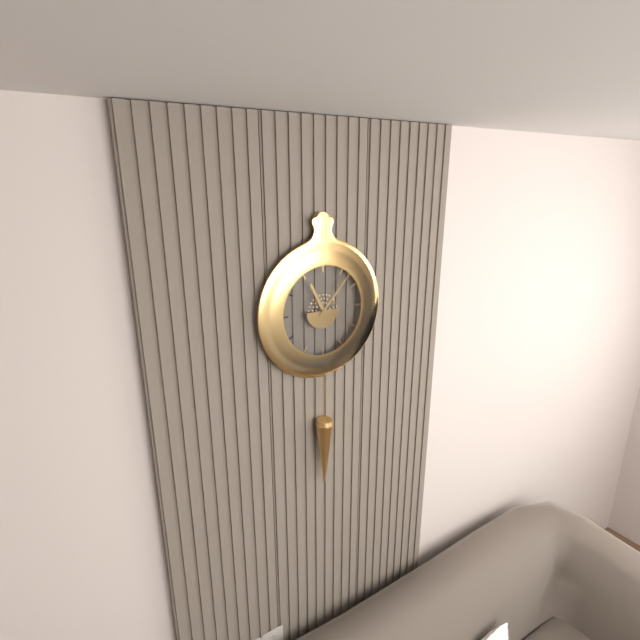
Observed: 11 h 07 min
